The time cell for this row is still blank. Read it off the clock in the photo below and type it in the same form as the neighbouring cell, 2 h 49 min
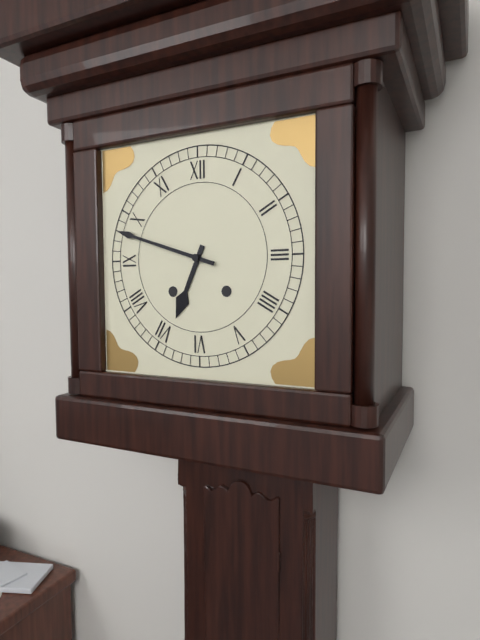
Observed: 6 h 48 min
